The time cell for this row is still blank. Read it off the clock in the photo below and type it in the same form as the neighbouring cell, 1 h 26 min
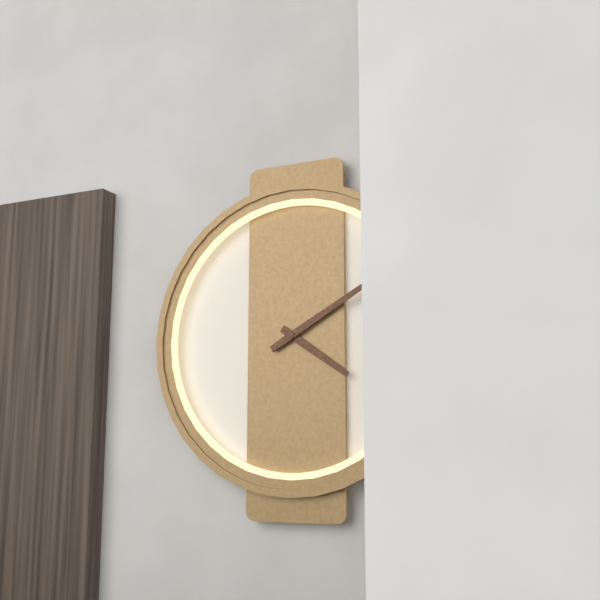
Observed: 4 h 10 min
